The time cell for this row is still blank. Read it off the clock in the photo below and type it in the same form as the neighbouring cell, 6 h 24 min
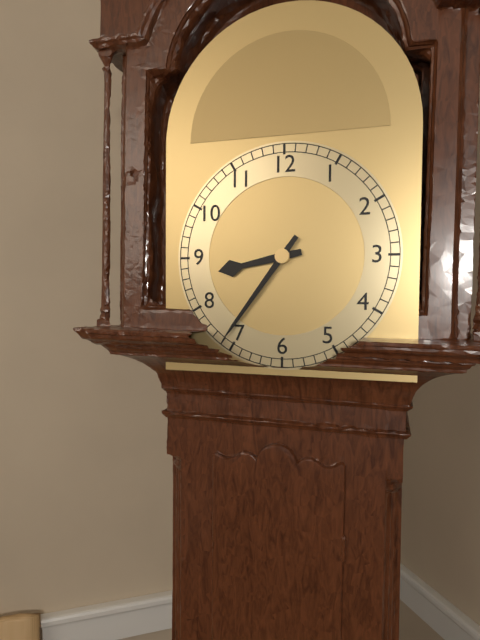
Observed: 8 h 36 min
